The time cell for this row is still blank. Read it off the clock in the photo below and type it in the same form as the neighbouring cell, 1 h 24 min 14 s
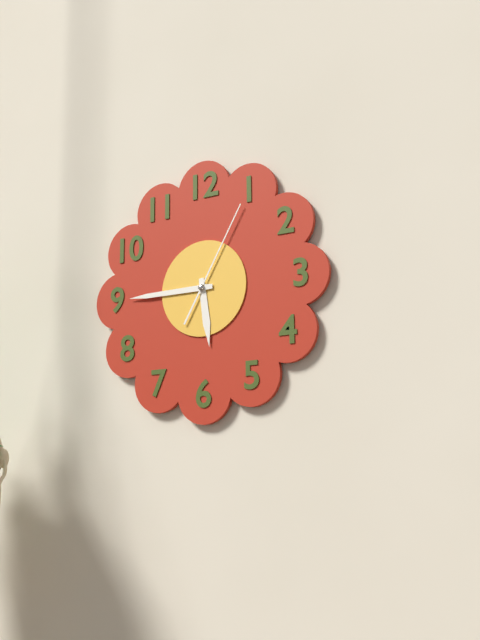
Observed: 5 h 45 min 05 s
